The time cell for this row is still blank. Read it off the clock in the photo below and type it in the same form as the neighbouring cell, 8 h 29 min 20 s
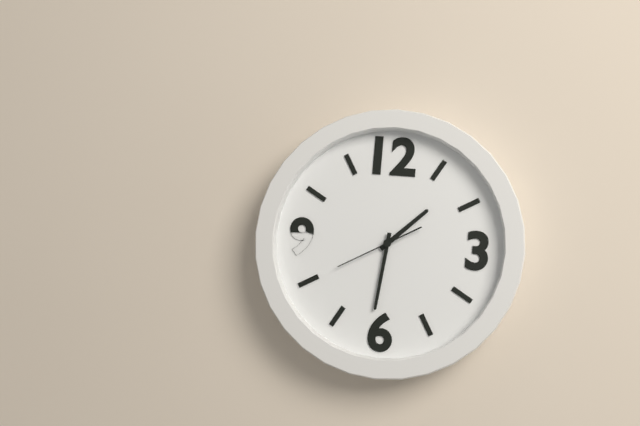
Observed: 1 h 31 min 40 s
